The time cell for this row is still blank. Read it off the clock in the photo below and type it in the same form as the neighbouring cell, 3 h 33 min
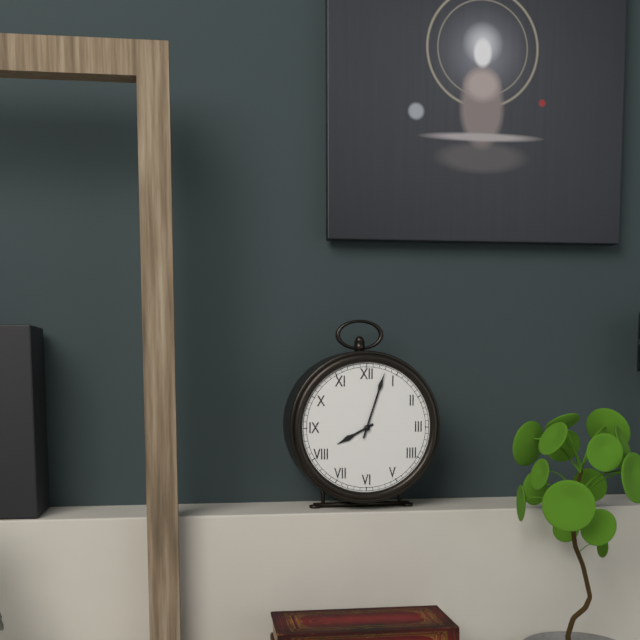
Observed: 8 h 03 min
